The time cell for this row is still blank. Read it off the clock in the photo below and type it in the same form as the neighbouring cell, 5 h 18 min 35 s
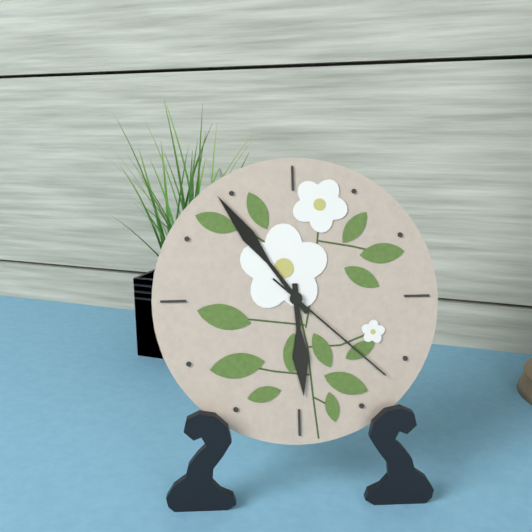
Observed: 5 h 54 min 22 s
